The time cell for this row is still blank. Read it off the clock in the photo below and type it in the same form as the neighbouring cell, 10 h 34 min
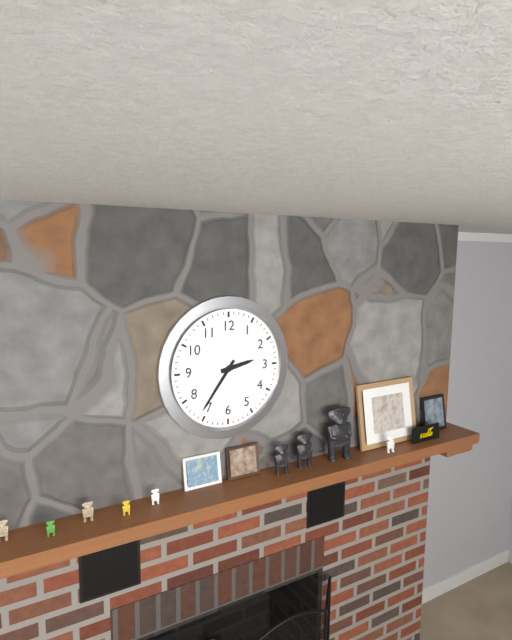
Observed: 2 h 36 min
